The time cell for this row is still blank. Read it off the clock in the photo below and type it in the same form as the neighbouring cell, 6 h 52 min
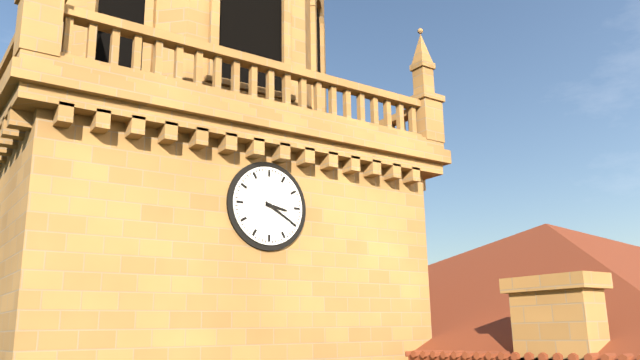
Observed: 3 h 20 min
